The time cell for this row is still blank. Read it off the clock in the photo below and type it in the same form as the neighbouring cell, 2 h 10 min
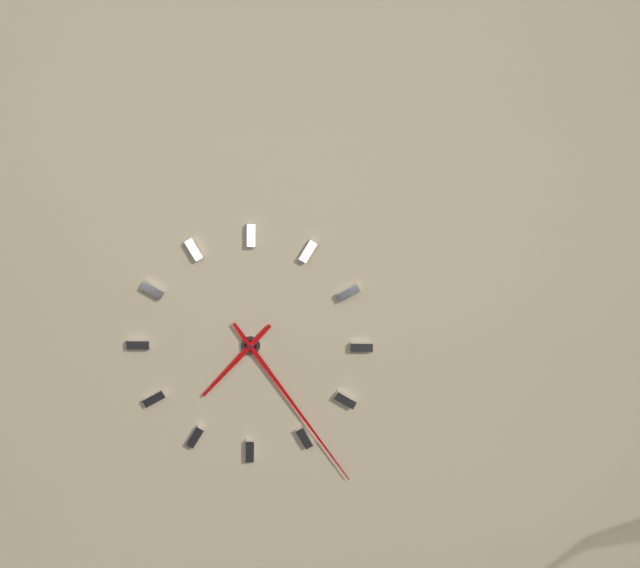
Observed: 7 h 24 min
